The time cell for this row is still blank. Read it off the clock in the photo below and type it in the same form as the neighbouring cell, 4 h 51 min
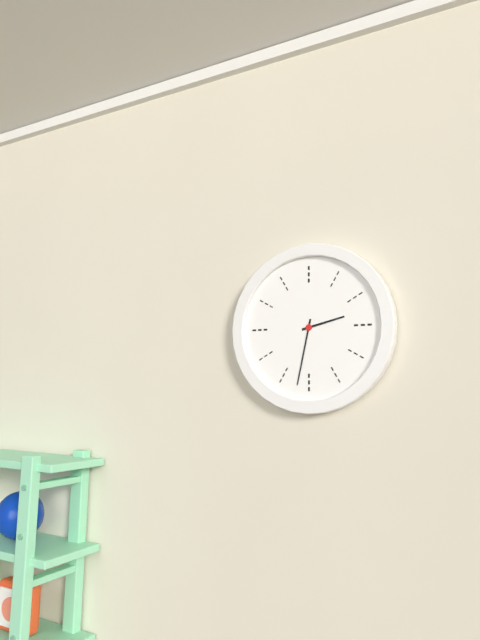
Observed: 2 h 32 min
